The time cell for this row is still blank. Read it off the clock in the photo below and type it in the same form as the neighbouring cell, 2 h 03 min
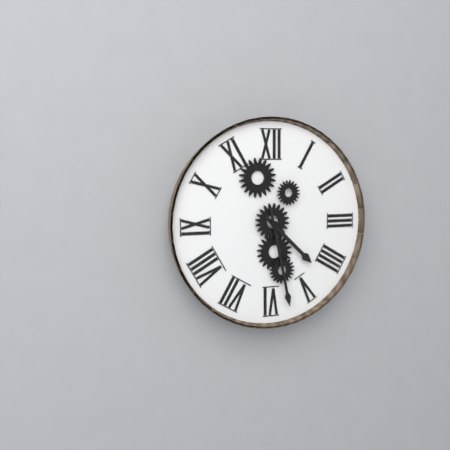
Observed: 4 h 28 min
